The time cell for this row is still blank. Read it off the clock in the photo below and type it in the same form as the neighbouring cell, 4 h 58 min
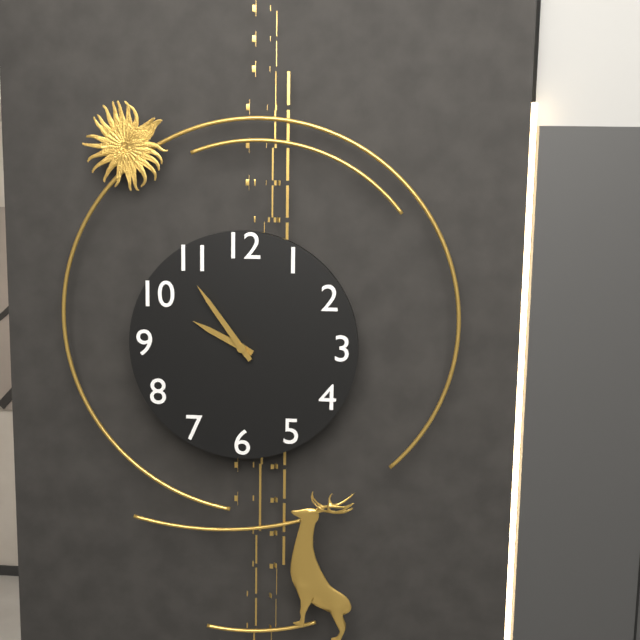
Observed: 9 h 54 min
